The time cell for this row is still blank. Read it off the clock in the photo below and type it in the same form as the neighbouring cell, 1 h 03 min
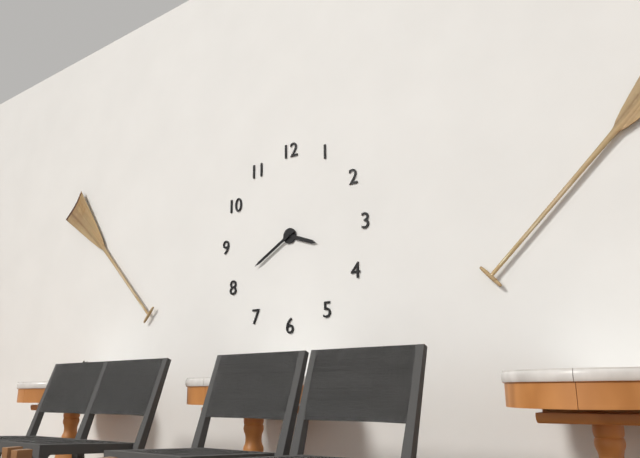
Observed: 3 h 40 min
